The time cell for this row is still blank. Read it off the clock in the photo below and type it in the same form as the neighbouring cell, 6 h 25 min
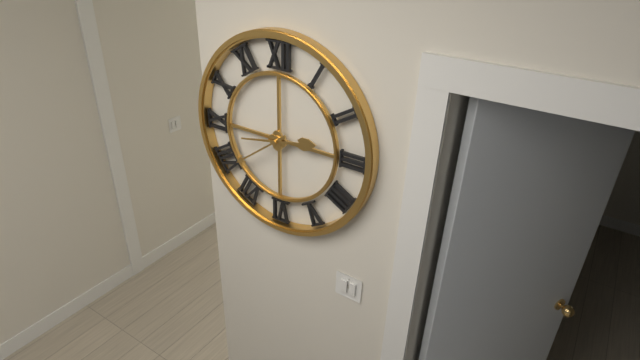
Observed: 2 h 39 min
